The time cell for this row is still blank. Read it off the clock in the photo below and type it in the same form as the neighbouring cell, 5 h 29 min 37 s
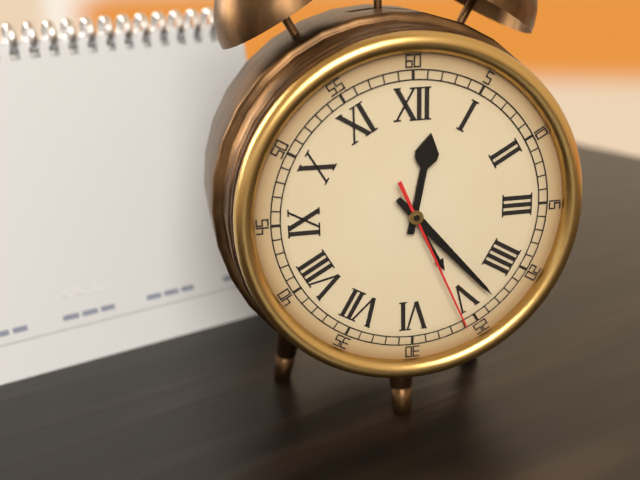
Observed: 12 h 23 min 26 s
